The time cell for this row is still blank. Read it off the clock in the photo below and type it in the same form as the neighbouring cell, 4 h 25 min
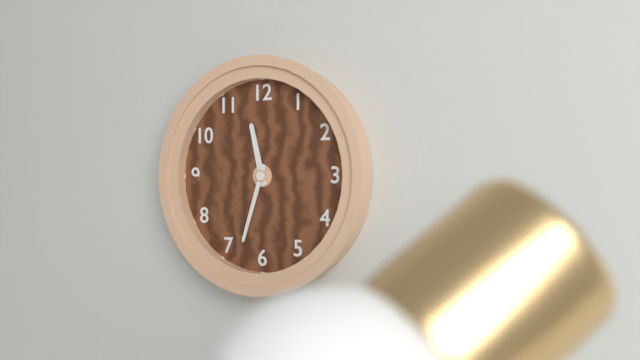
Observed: 11 h 33 min
